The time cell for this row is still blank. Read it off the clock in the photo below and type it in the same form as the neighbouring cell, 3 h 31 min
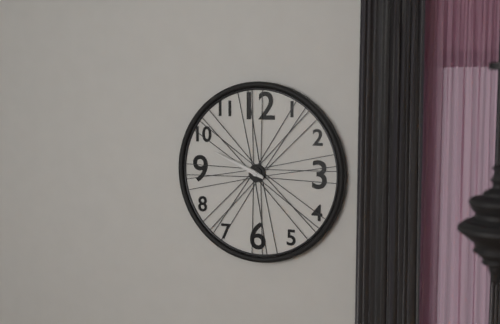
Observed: 9 h 49 min
